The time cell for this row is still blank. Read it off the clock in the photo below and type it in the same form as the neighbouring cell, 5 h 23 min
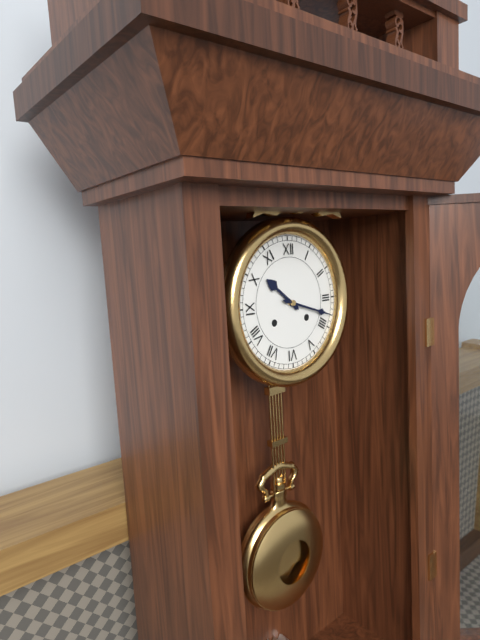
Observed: 10 h 18 min
